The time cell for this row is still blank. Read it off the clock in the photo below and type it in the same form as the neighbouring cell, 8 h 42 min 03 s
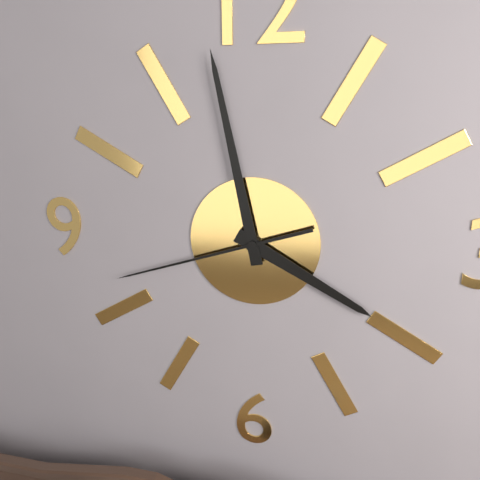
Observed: 3 h 58 min 42 s
